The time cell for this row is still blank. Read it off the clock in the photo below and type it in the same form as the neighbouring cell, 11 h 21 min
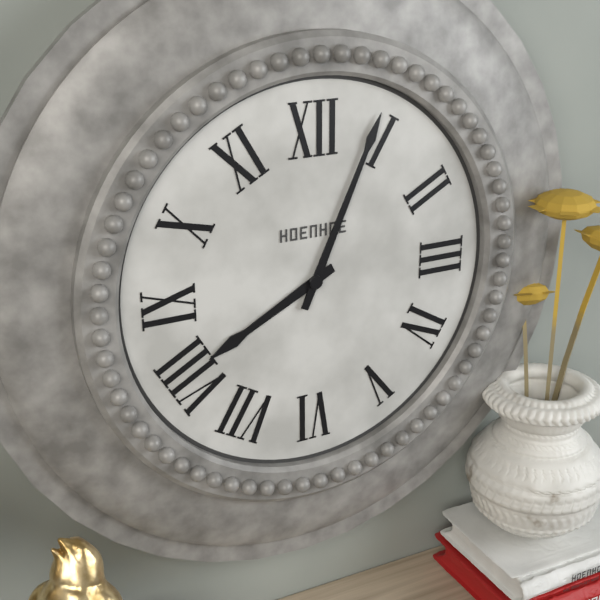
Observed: 8 h 04 min
